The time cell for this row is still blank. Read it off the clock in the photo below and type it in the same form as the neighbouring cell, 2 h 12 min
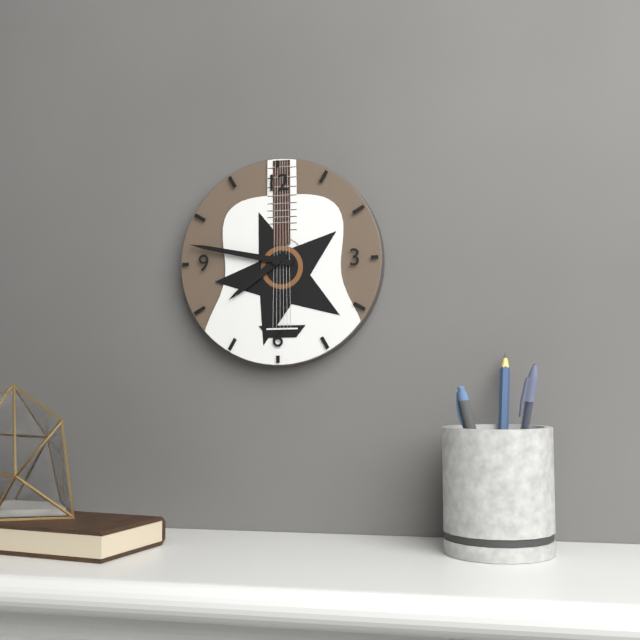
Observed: 7 h 47 min
